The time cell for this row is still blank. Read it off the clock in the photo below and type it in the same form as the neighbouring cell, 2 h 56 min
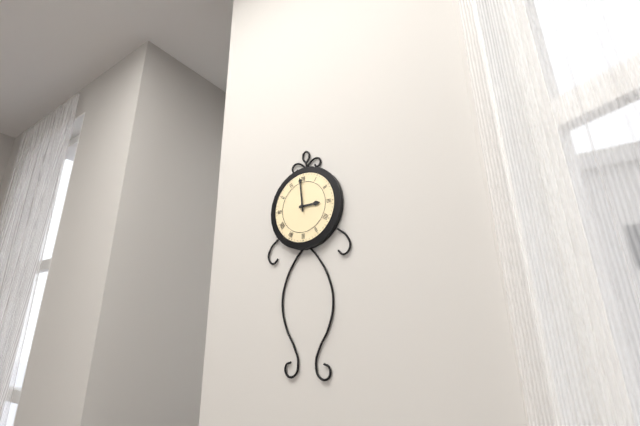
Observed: 2 h 59 min
